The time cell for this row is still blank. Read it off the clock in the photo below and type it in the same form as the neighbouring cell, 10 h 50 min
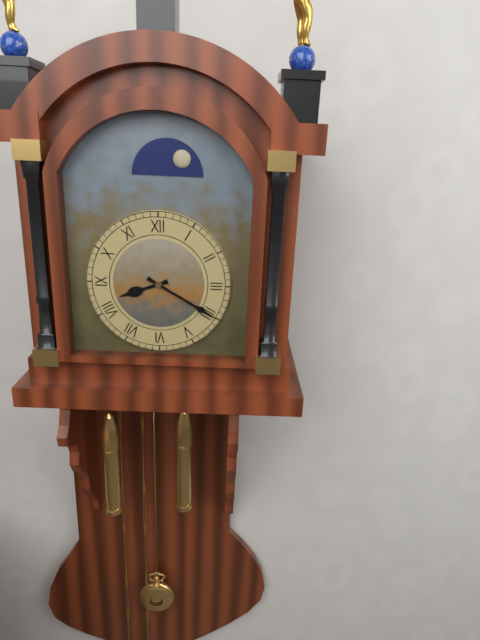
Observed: 8 h 20 min
